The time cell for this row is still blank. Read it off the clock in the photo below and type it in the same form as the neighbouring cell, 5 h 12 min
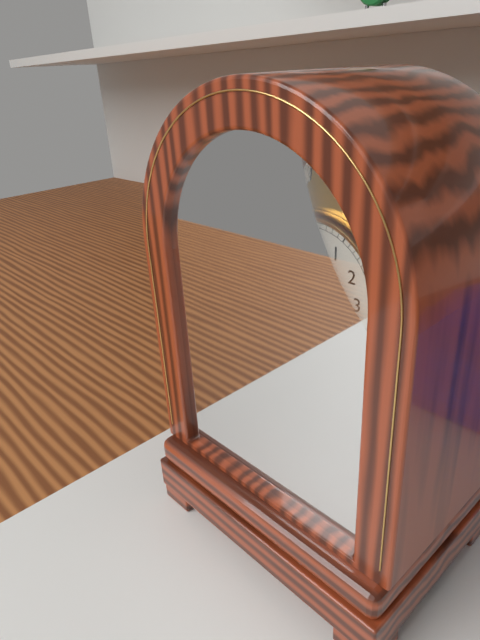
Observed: 12 h 20 min
